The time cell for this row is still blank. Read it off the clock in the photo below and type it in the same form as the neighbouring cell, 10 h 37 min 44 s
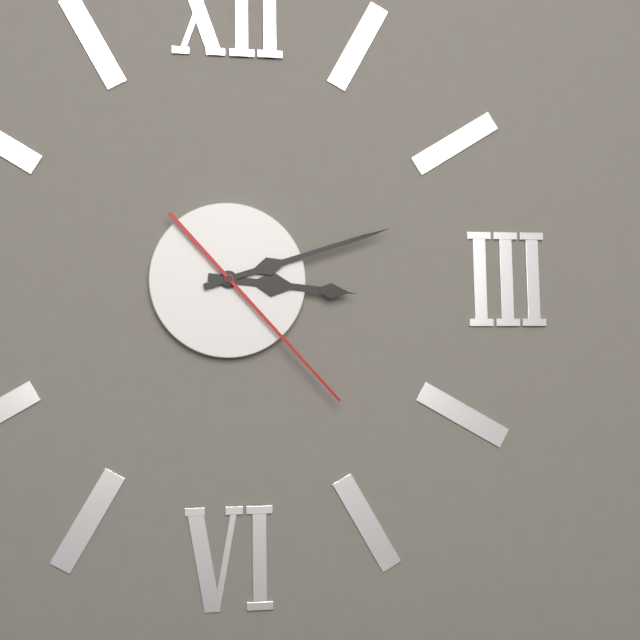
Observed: 3 h 12 min 23 s
